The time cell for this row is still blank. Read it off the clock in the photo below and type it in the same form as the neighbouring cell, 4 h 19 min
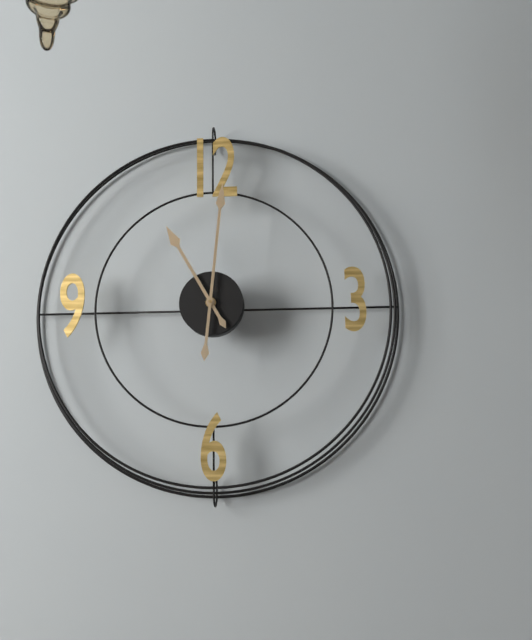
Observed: 11 h 01 min
